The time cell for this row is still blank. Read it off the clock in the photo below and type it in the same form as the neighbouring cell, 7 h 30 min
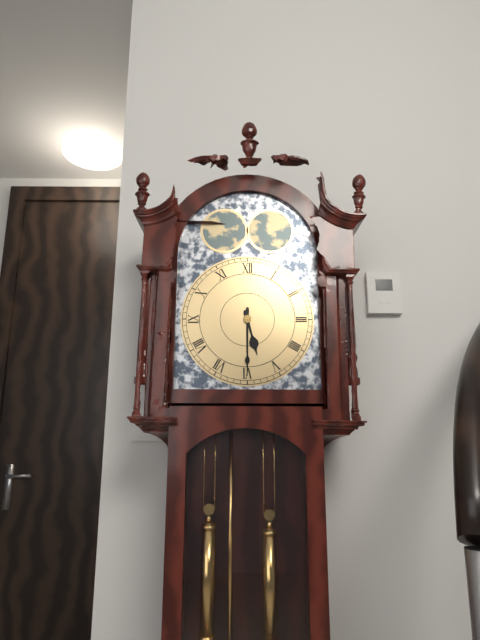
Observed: 5 h 30 min
